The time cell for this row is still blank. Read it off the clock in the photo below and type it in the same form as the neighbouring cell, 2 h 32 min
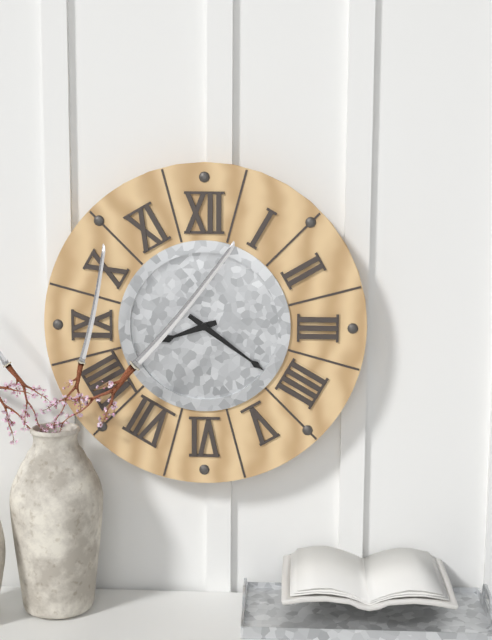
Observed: 8 h 21 min
